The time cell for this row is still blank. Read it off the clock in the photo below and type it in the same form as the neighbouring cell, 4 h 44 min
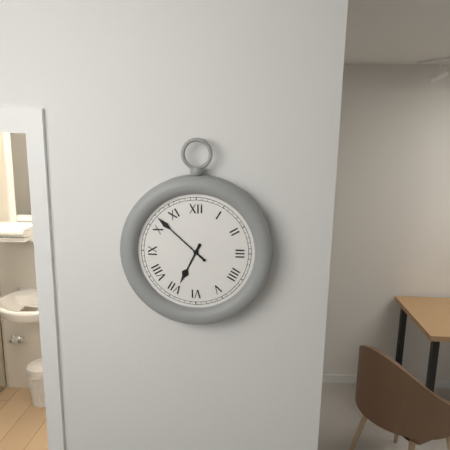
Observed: 6 h 52 min
